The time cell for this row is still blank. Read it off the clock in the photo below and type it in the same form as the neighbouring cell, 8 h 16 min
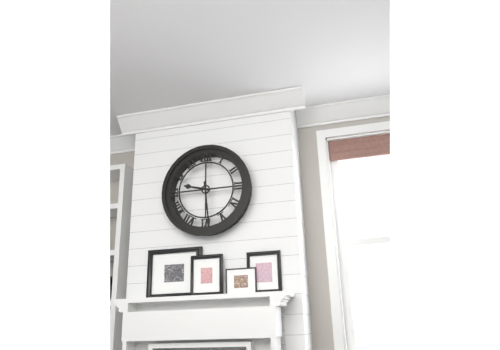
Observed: 9 h 29 min
